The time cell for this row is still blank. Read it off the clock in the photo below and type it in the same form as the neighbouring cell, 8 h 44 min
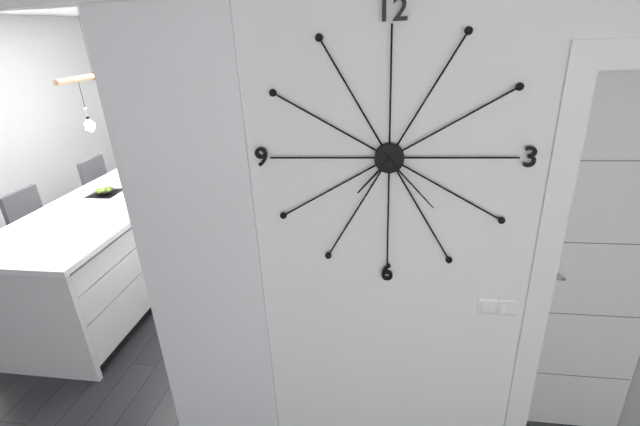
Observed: 7 h 23 min
